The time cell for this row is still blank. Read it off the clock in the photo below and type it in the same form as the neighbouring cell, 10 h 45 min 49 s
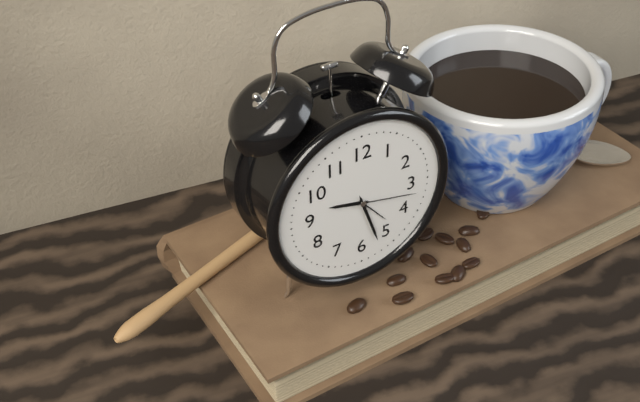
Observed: 9 h 27 min 17 s
